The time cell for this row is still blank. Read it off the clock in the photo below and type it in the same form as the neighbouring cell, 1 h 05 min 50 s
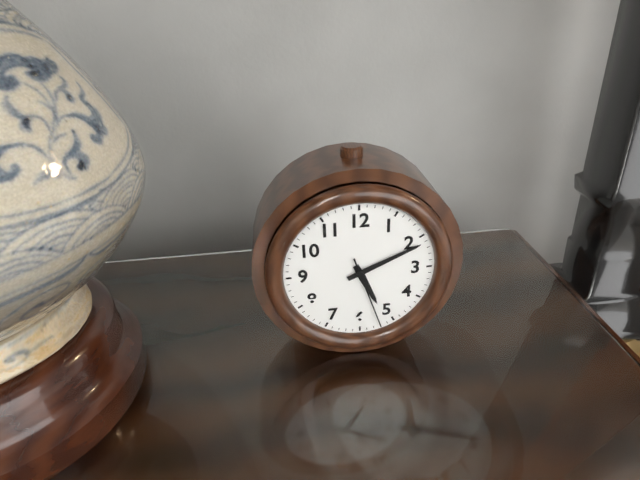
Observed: 5 h 11 min 27 s
